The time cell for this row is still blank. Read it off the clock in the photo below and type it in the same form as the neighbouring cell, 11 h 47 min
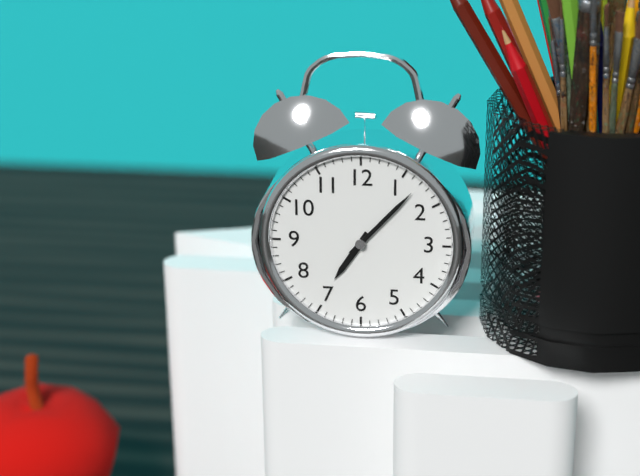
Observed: 7 h 07 min
